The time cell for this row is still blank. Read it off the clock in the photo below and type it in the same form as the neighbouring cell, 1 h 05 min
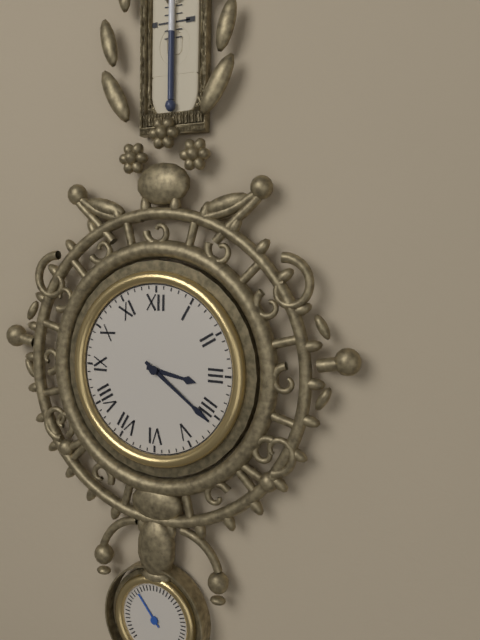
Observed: 3 h 21 min
